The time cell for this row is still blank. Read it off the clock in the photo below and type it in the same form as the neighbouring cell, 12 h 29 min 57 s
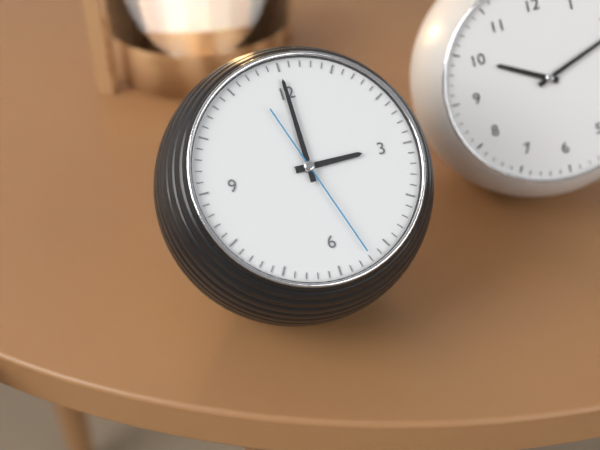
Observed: 3 h 00 min 27 s
